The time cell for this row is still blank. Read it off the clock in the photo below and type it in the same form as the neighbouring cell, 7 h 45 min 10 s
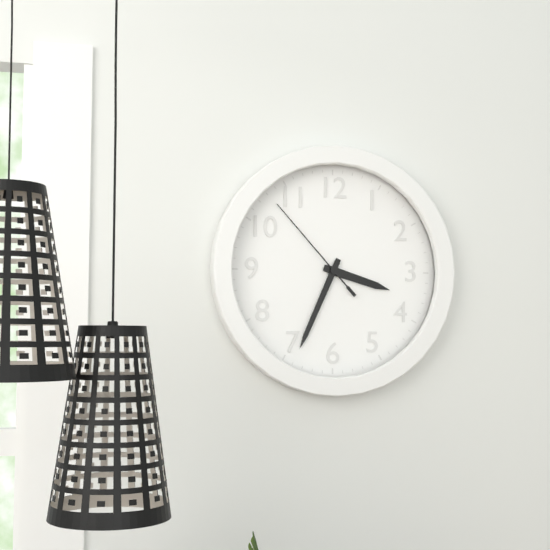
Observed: 3 h 34 min 53 s
